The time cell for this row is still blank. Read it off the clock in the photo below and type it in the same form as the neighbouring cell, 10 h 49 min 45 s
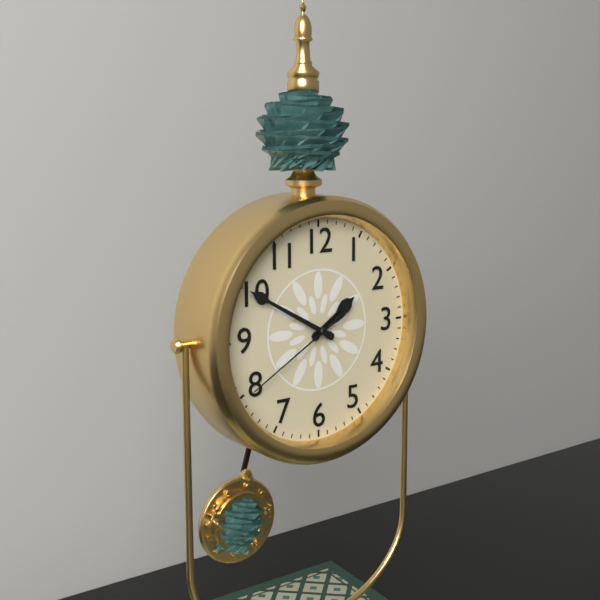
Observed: 1 h 50 min 40 s
